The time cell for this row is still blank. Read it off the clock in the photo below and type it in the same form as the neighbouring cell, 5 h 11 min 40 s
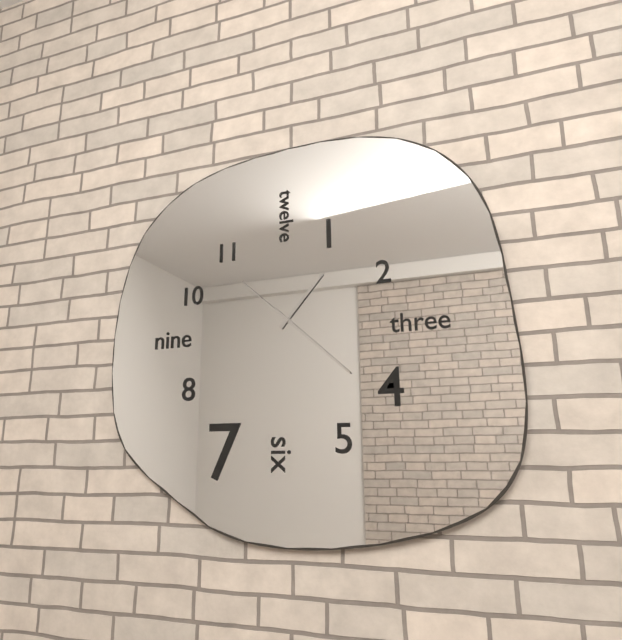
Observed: 1 h 22 min 52 s
